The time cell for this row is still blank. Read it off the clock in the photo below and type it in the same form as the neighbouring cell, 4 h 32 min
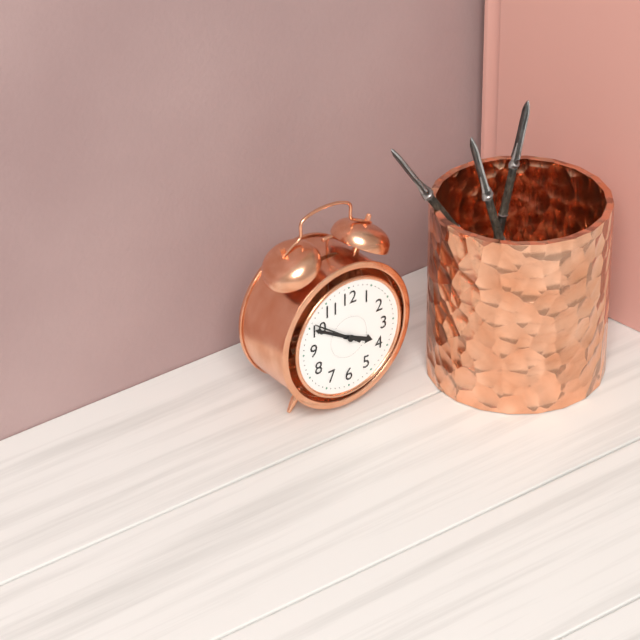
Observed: 3 h 50 min
